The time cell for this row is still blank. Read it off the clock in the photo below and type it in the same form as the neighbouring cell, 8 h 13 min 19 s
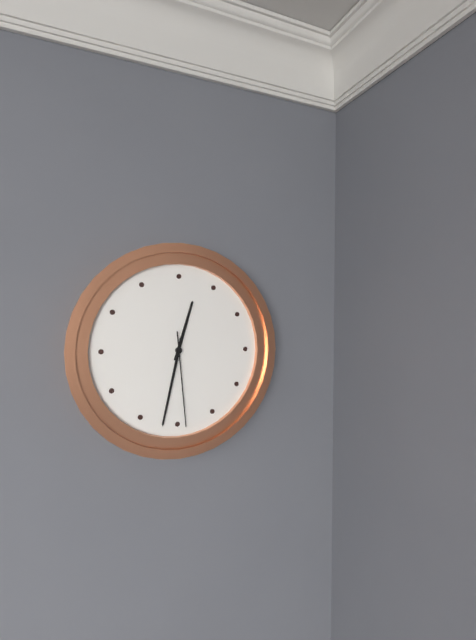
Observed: 12 h 32 min 29 s
